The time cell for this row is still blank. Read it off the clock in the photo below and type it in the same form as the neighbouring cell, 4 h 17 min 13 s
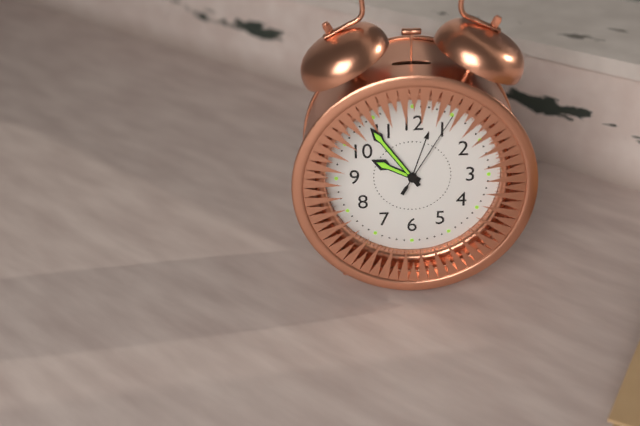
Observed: 9 h 54 min 05 s
